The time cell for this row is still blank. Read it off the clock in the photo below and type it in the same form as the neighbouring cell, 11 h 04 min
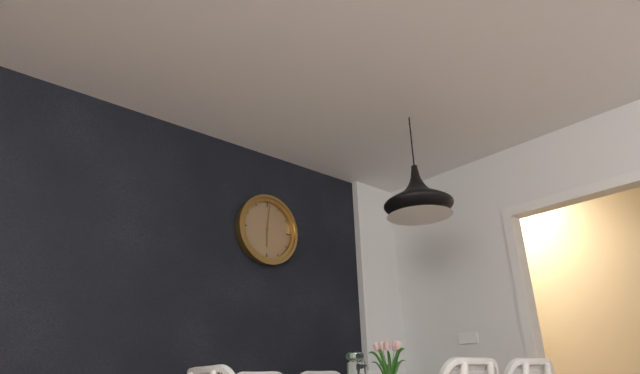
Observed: 6 h 01 min
